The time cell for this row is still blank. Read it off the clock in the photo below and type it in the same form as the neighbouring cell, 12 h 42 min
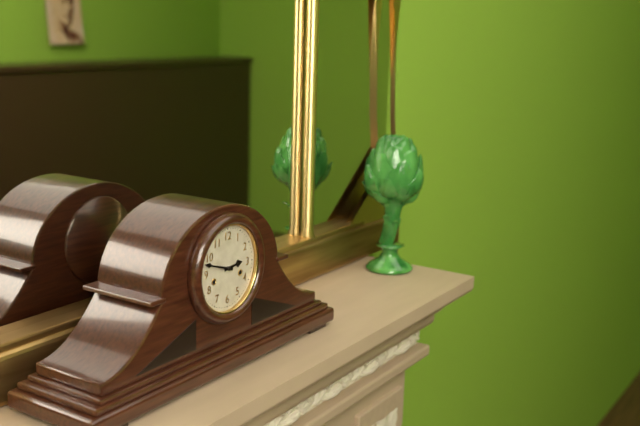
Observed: 2 h 48 min
